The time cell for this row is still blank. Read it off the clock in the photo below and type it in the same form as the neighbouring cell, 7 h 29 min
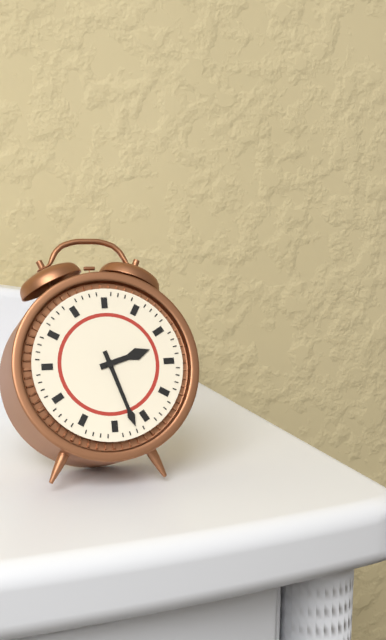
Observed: 2 h 27 min
